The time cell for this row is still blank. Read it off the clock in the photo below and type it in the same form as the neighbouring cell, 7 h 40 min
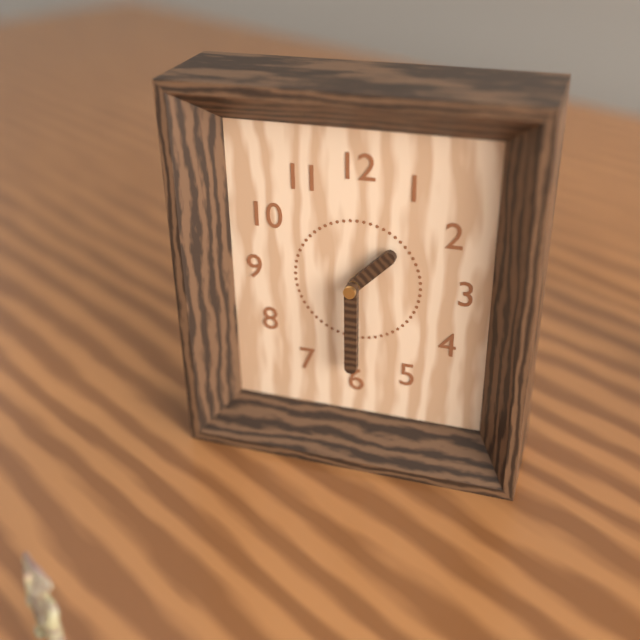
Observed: 1 h 30 min
